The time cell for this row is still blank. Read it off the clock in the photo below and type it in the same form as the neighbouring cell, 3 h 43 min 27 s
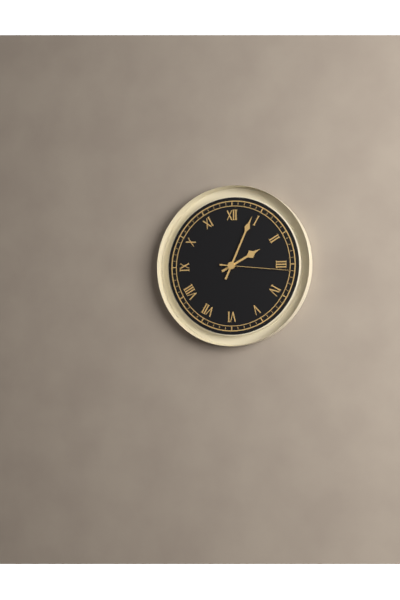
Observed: 2 h 04 min 16 s
